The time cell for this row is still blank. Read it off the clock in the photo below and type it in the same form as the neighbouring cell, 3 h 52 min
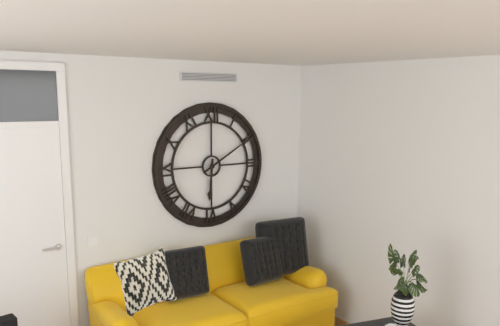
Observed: 6 h 10 min
